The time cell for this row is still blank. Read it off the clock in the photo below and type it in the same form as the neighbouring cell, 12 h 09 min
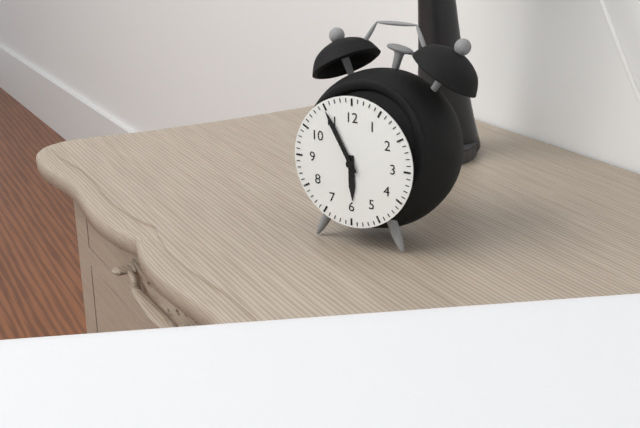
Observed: 5 h 55 min
